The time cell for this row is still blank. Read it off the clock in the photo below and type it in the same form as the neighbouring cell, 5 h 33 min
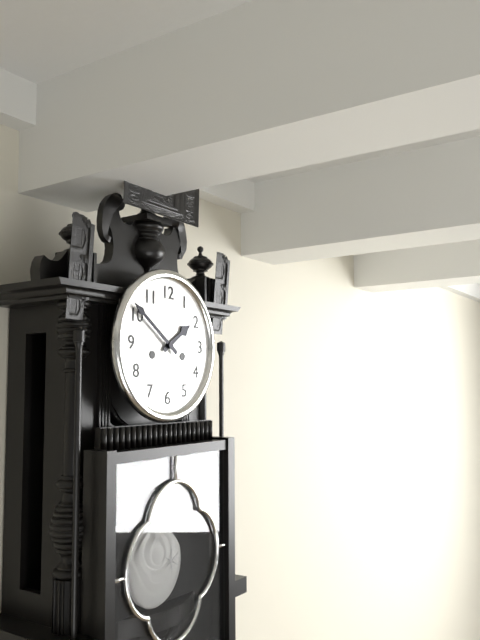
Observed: 1 h 51 min
